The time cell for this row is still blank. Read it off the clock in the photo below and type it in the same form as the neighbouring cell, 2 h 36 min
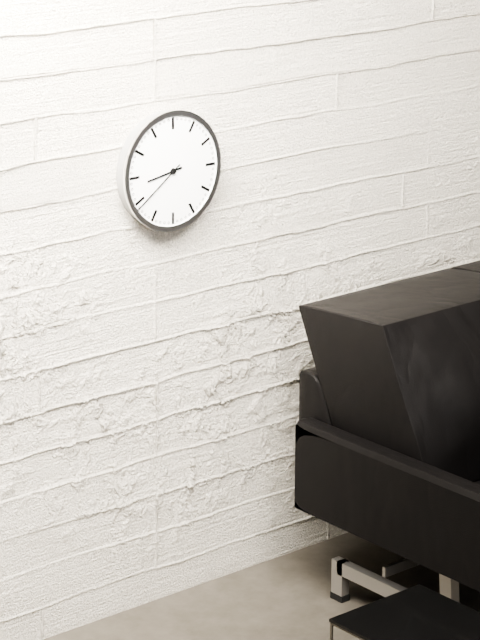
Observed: 8 h 39 min
